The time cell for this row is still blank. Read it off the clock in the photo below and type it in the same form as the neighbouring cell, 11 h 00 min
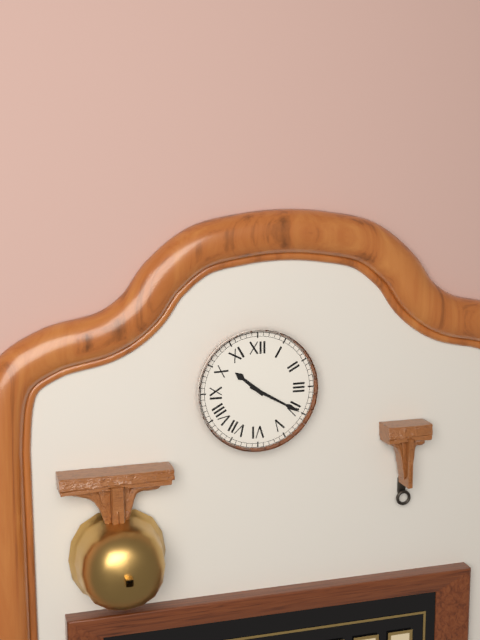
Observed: 10 h 20 min
